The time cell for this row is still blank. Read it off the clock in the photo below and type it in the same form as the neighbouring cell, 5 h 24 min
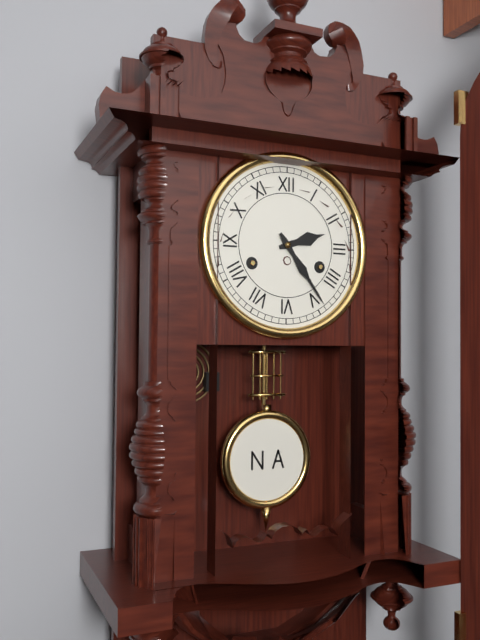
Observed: 2 h 24 min
